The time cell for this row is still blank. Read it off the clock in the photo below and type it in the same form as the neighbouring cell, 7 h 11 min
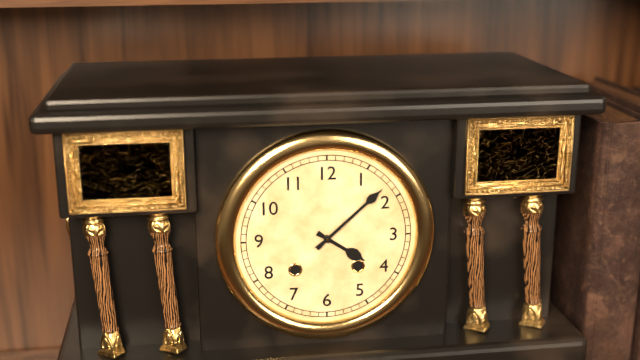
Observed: 4 h 08 min
